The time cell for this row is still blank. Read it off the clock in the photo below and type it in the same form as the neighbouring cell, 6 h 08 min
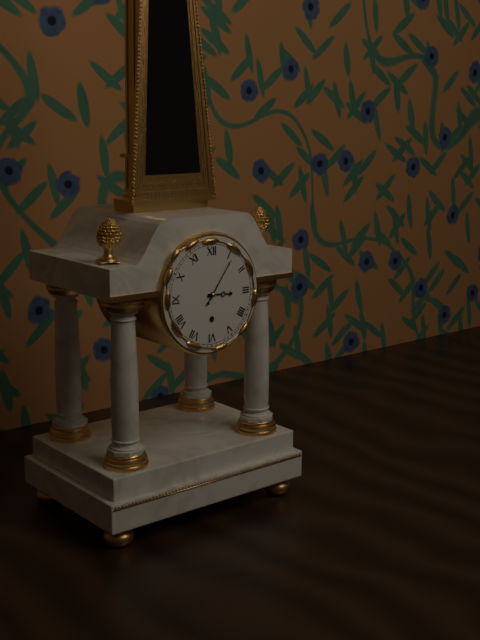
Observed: 3 h 06 min
